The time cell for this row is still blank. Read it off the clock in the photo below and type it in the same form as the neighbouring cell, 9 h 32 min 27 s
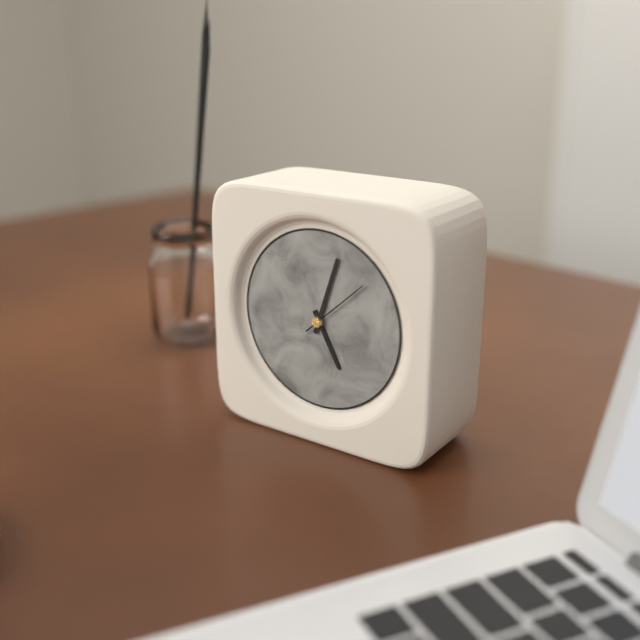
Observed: 5 h 03 min 08 s
